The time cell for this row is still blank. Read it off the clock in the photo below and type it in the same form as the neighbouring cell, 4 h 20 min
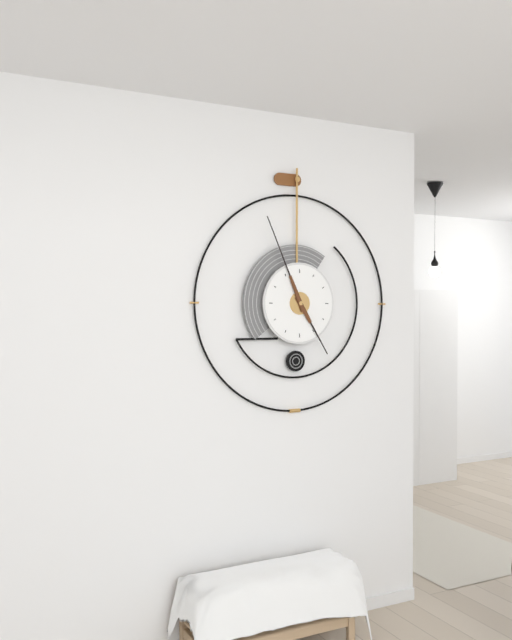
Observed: 4 h 56 min
